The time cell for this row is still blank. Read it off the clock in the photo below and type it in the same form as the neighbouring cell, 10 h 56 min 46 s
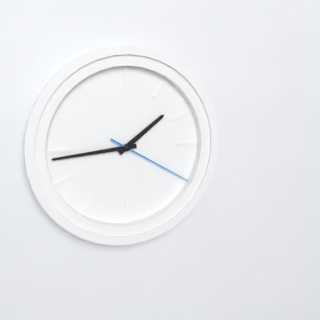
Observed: 1 h 44 min 20 s
